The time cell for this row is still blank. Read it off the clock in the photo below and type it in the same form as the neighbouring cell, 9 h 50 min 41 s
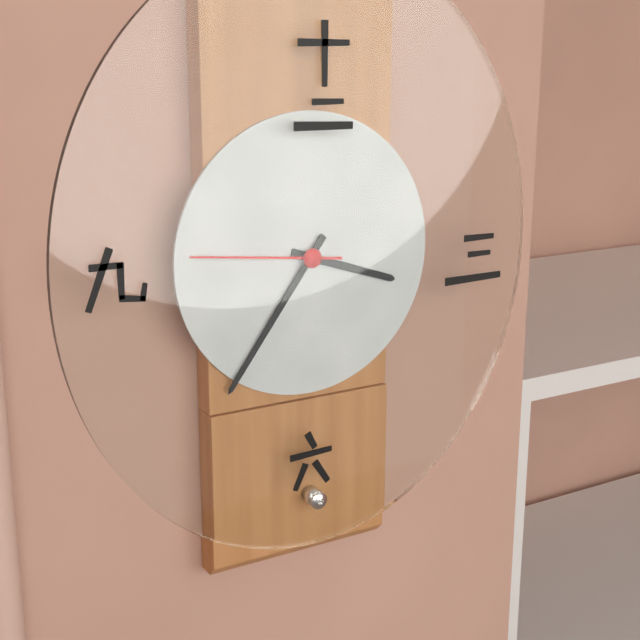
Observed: 3 h 36 min 46 s
